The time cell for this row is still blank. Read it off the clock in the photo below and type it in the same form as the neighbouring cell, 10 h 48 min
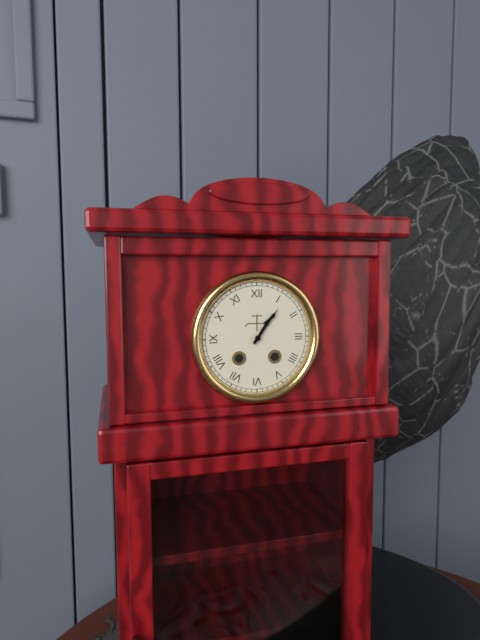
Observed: 1 h 06 min
